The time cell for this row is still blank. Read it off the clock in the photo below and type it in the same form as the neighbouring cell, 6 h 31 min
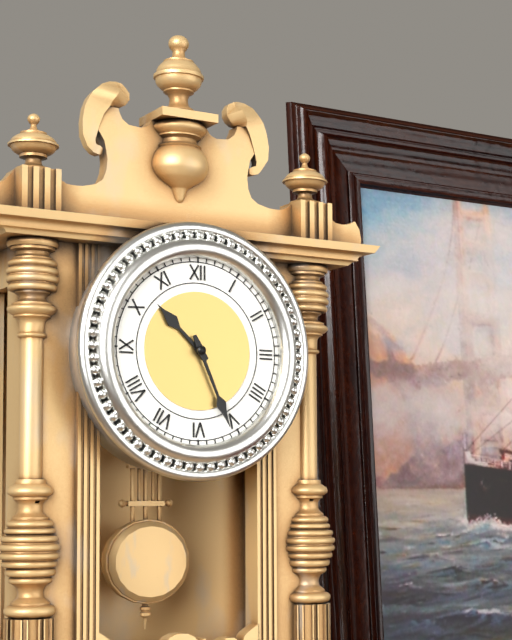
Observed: 10 h 26 min
